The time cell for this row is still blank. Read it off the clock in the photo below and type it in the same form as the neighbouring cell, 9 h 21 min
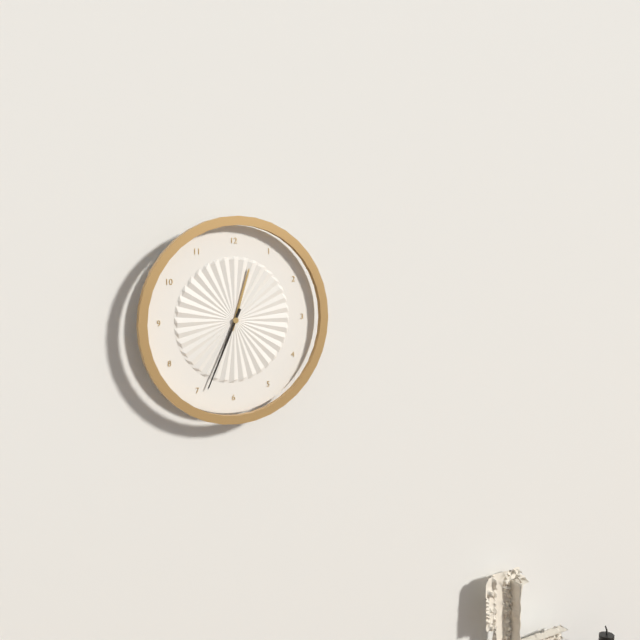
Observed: 12 h 34 min
